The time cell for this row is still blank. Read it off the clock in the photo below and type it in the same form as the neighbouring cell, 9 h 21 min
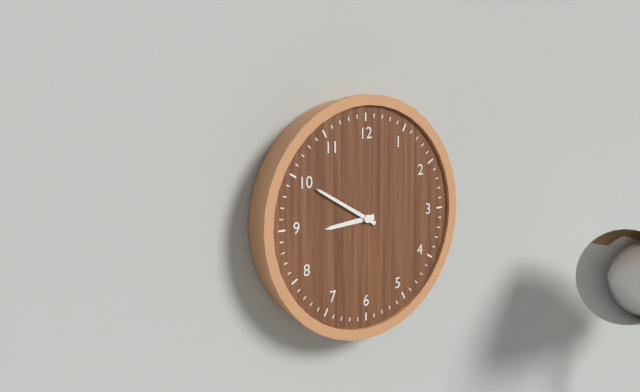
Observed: 8 h 50 min
